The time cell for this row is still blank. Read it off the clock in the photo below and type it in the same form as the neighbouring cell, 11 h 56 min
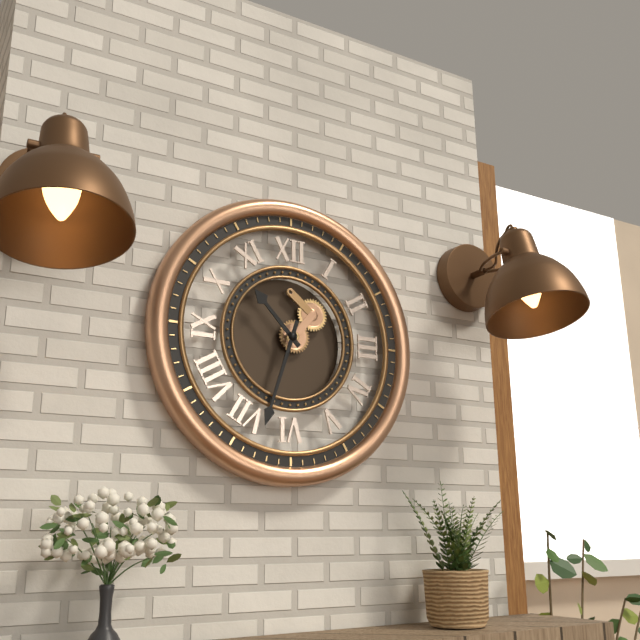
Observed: 10 h 33 min
